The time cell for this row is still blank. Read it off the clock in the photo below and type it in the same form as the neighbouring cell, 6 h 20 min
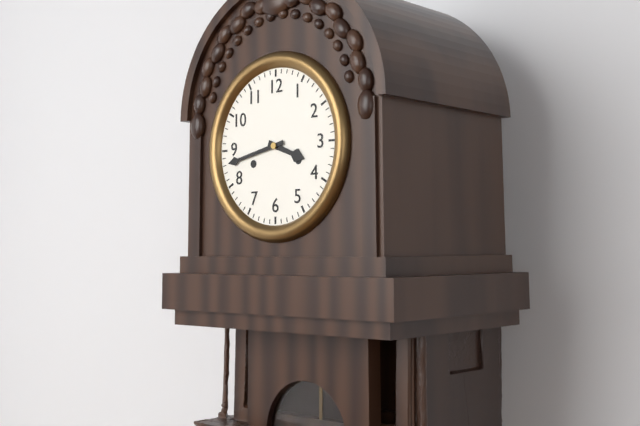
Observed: 3 h 43 min
